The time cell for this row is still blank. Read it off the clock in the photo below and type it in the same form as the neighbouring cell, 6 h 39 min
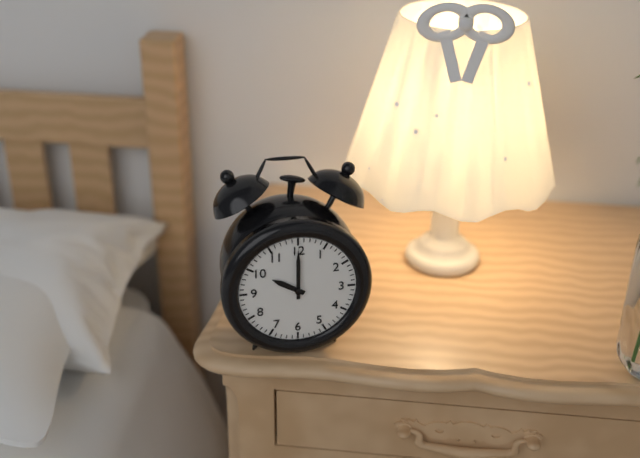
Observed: 10 h 00 min
